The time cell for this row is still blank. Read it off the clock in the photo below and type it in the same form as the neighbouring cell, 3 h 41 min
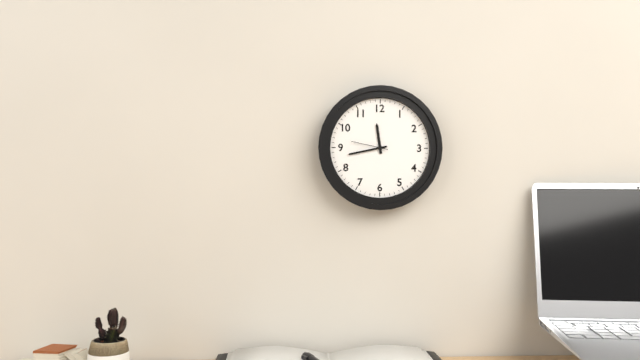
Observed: 11 h 43 min
